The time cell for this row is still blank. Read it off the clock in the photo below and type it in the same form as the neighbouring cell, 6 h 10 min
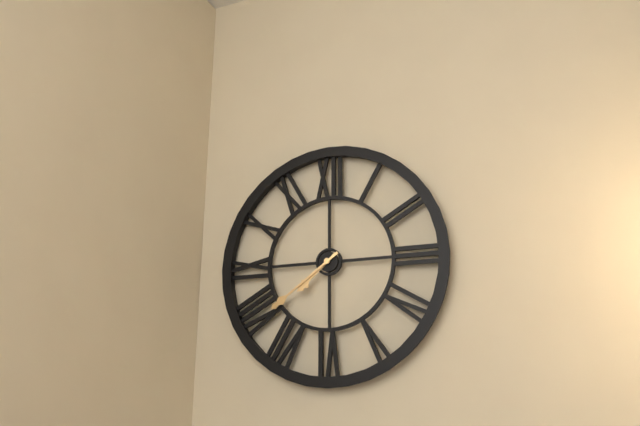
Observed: 7 h 39 min
